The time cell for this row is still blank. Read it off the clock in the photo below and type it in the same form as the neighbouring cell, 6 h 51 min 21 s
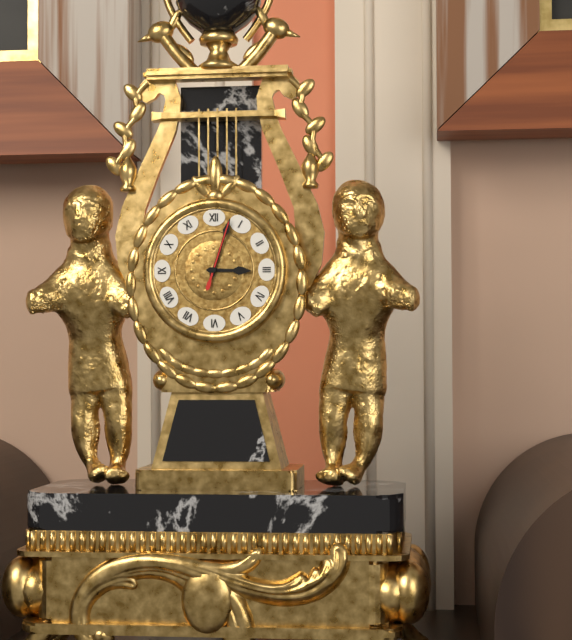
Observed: 3 h 03 min 03 s
